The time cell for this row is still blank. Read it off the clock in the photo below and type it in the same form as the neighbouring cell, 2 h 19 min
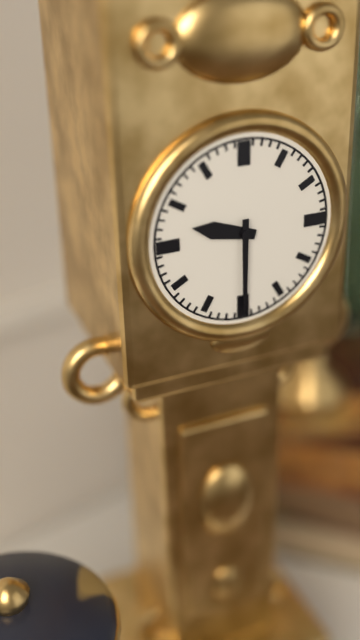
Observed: 9 h 30 min
